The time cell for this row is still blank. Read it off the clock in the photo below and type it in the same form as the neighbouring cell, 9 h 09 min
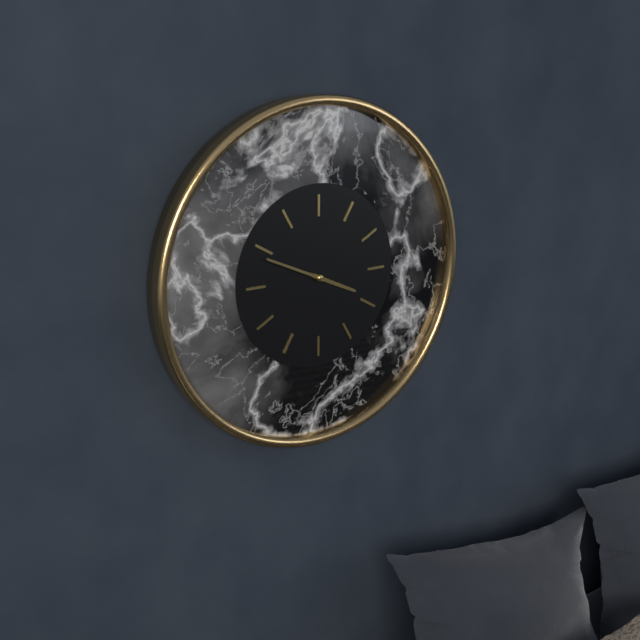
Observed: 3 h 49 min
